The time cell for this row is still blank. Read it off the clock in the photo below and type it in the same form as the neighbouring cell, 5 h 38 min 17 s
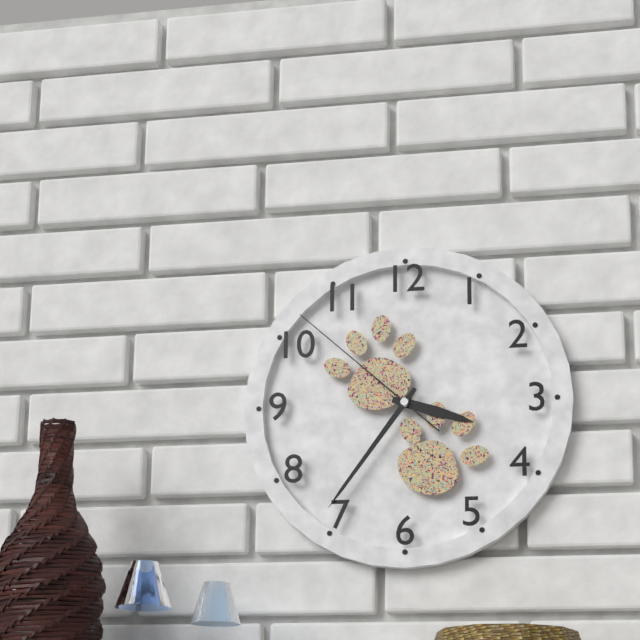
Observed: 3 h 36 min 52 s
